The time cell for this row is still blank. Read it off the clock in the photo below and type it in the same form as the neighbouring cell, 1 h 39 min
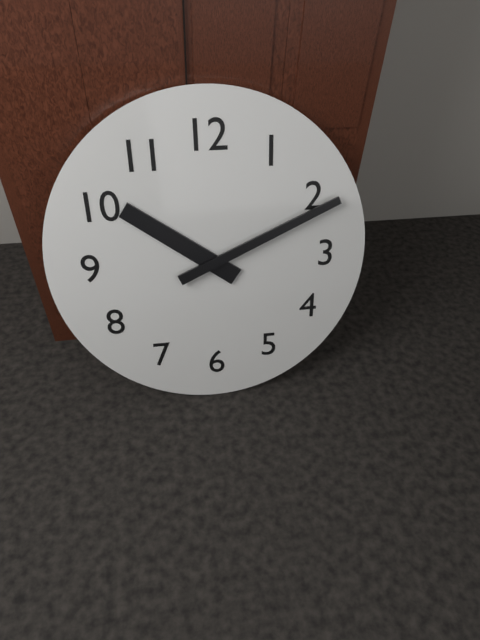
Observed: 10 h 11 min
